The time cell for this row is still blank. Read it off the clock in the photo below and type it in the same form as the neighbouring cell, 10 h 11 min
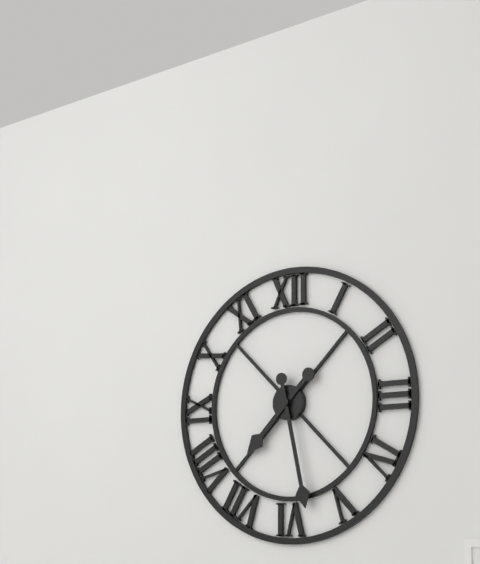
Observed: 7 h 28 min
